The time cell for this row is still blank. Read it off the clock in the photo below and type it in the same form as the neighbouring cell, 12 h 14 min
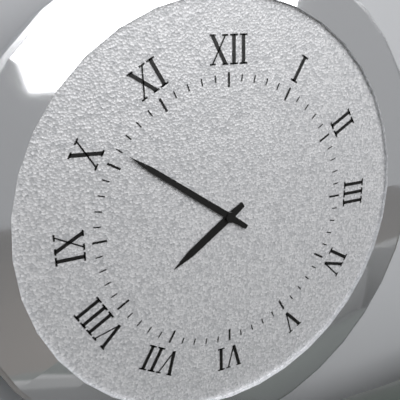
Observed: 7 h 51 min
